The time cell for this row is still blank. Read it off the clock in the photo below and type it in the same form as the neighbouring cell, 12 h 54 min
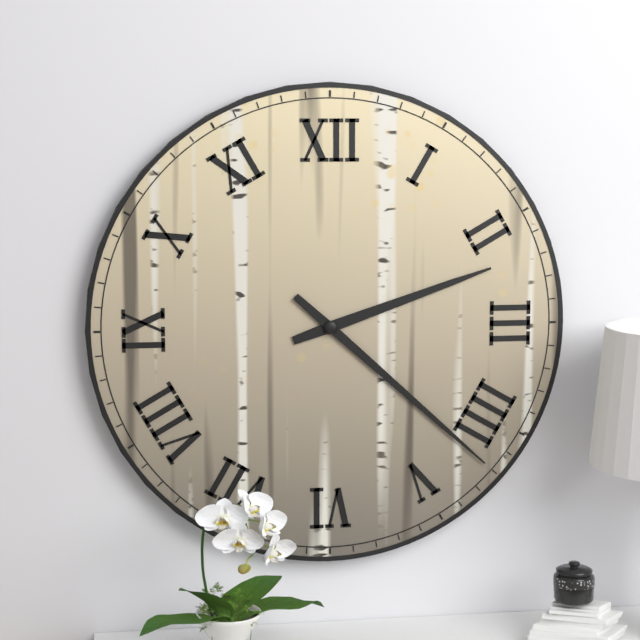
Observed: 2 h 22 min
